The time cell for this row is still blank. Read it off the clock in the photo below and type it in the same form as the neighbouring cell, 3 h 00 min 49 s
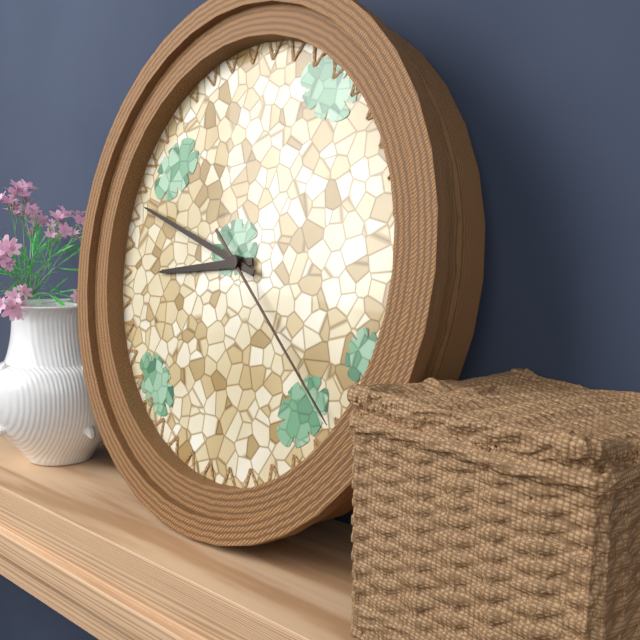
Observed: 8 h 48 min 22 s
